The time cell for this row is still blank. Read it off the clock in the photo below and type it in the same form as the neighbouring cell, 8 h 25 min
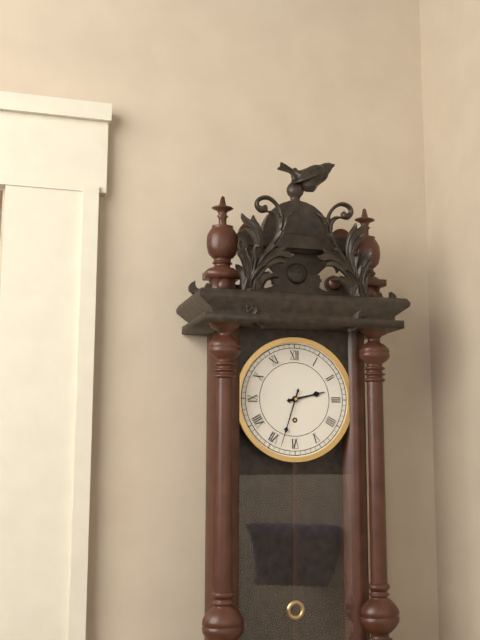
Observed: 2 h 33 min
